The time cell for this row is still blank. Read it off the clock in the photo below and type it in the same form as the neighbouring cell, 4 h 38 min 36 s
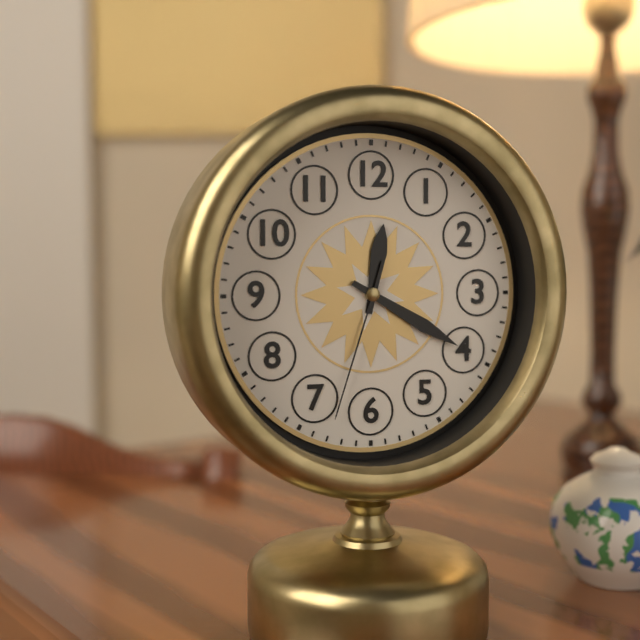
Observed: 12 h 20 min 33 s
